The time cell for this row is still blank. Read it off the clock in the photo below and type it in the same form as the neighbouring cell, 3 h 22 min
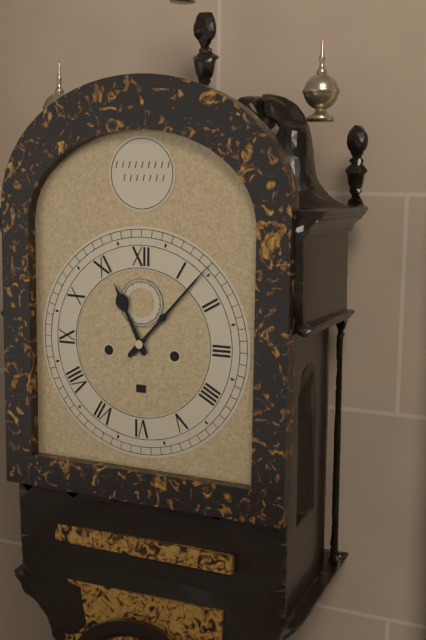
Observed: 11 h 07 min
